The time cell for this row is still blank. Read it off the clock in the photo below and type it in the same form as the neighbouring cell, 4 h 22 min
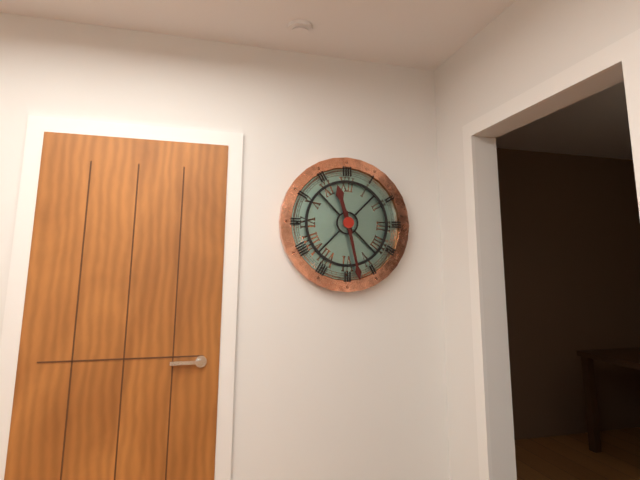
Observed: 11 h 28 min
